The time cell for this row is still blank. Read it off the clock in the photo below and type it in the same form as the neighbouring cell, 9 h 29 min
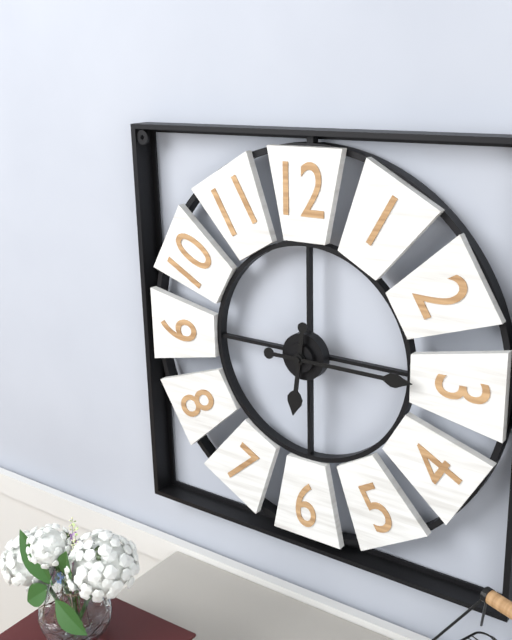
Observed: 6 h 15 min
